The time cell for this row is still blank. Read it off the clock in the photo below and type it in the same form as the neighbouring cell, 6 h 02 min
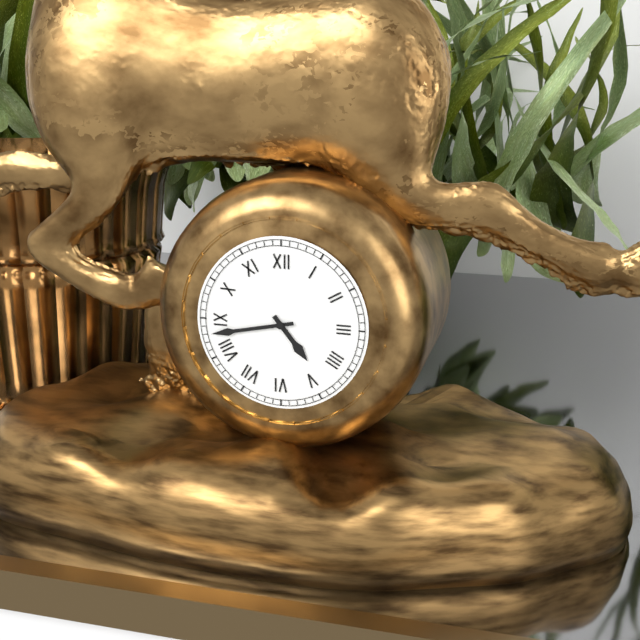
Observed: 4 h 43 min
